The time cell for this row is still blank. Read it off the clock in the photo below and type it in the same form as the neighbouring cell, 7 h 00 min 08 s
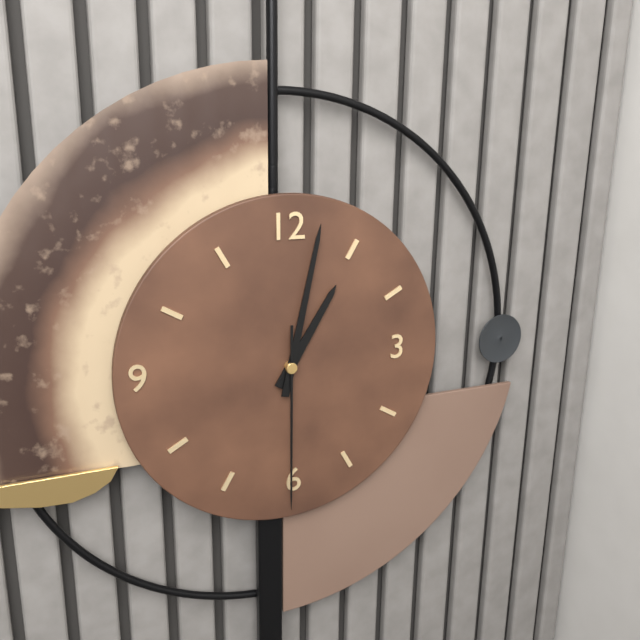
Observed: 1 h 02 min 30 s
